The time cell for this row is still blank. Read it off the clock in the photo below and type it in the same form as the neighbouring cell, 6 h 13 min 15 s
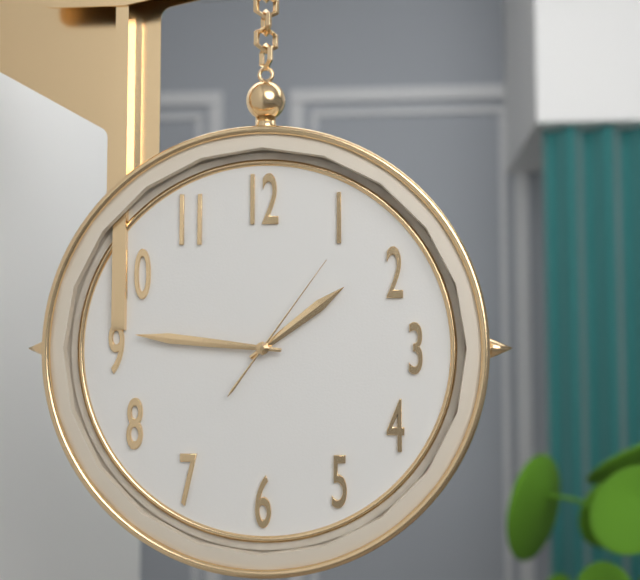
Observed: 1 h 46 min 06 s
